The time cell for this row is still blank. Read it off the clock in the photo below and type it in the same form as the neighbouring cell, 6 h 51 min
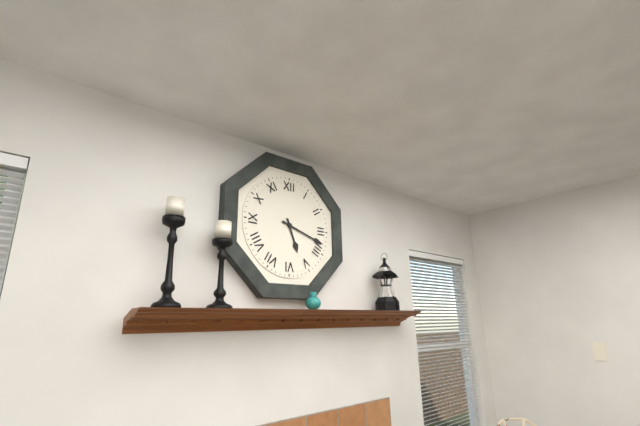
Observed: 5 h 18 min
